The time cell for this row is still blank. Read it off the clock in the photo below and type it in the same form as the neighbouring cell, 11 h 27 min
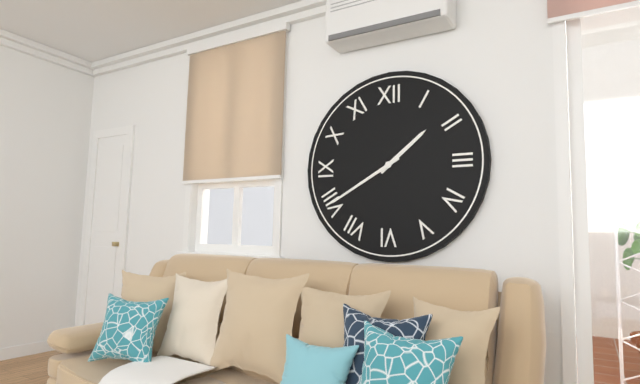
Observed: 1 h 40 min
